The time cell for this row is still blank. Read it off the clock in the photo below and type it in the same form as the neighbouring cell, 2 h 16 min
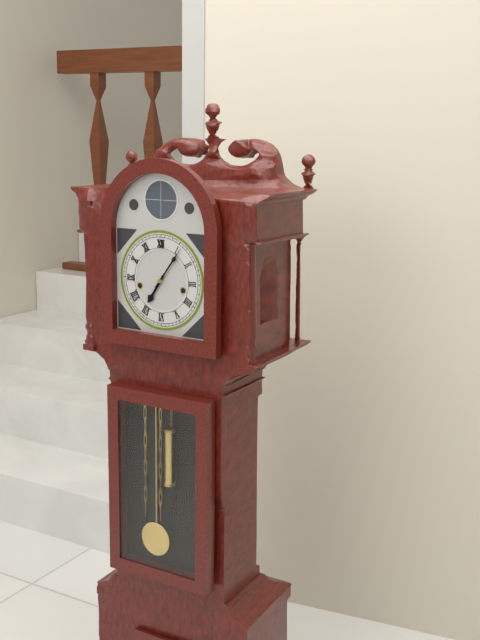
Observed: 7 h 06 min
